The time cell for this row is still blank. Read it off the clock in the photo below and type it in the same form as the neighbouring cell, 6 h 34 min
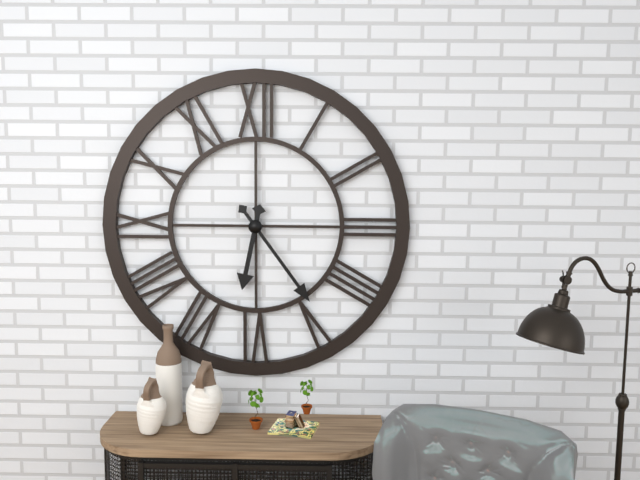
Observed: 6 h 24 min
